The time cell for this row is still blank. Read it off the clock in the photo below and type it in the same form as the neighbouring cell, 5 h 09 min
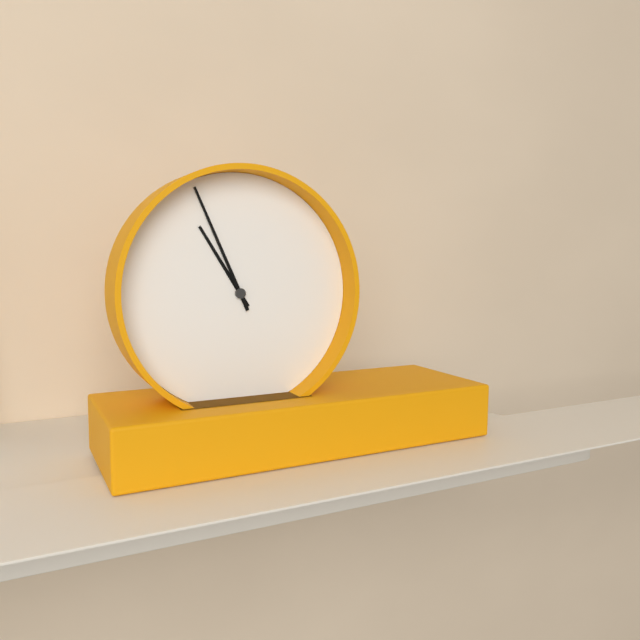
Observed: 10 h 56 min
